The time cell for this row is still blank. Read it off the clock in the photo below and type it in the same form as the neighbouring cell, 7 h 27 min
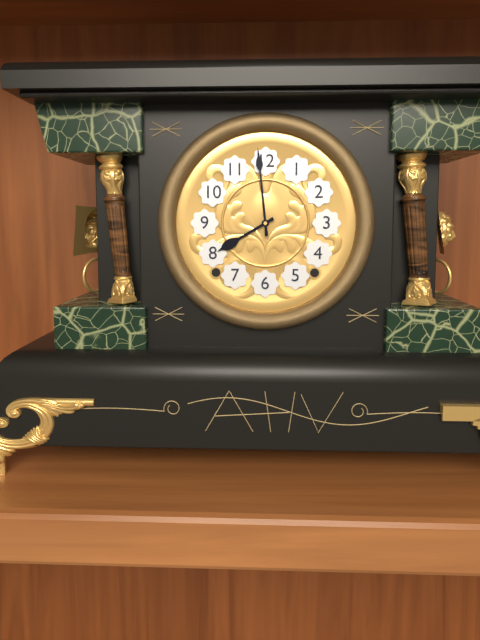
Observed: 7 h 59 min
